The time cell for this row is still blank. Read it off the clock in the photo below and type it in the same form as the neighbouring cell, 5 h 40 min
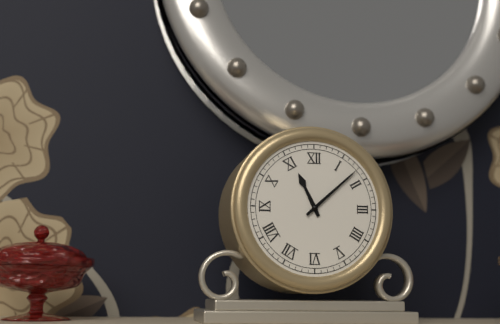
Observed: 11 h 08 min
